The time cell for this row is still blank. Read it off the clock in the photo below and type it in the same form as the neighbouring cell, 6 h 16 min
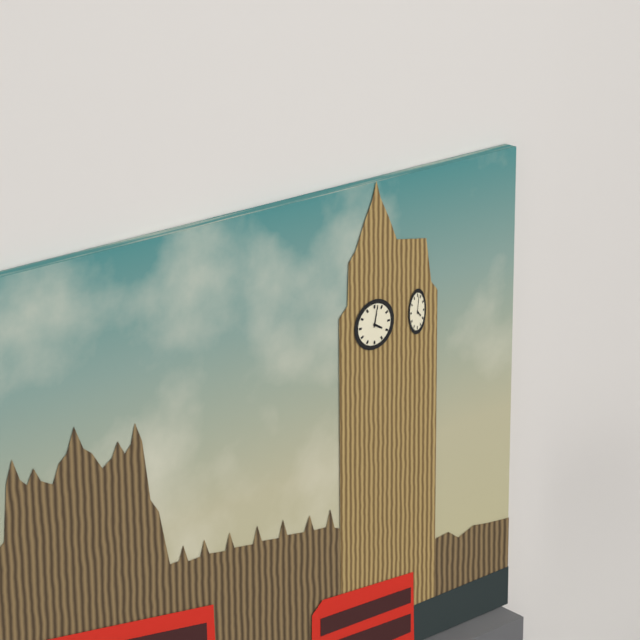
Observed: 4 h 02 min
